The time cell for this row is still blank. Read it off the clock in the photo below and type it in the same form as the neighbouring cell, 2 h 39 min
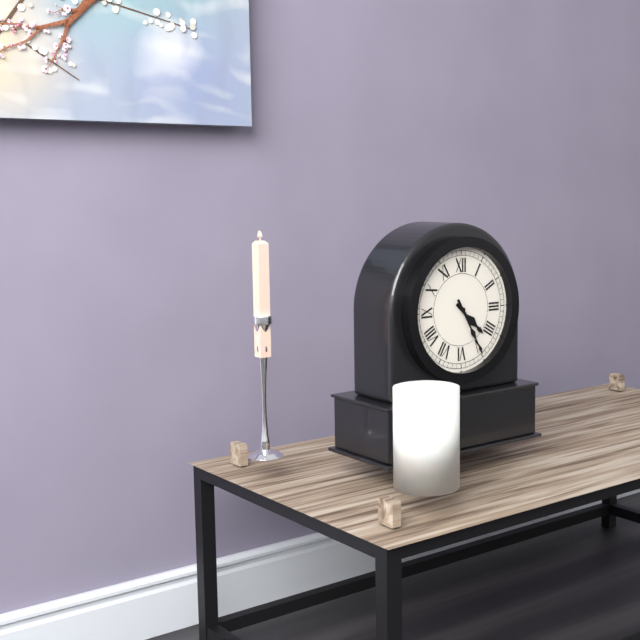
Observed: 4 h 25 min
